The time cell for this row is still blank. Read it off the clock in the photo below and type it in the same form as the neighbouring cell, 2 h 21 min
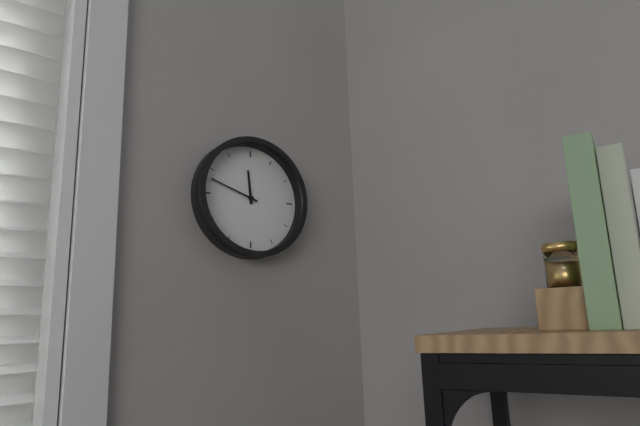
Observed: 11 h 48 min
